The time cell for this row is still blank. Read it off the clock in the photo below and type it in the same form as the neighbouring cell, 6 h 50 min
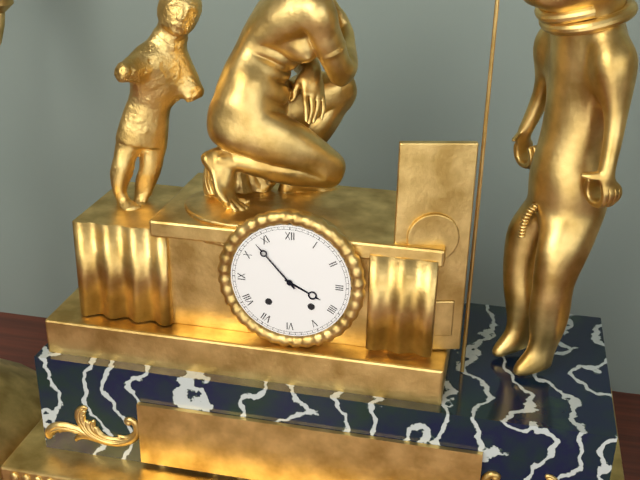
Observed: 3 h 53 min
